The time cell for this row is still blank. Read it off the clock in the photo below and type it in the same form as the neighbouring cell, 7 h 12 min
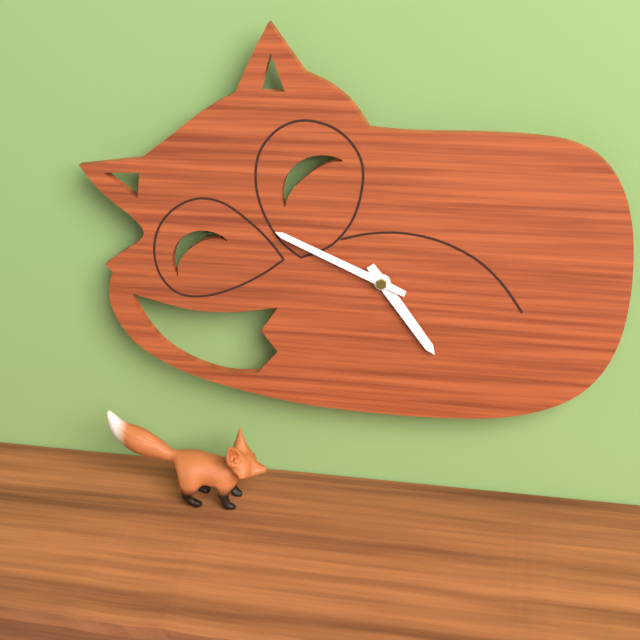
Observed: 4 h 49 min
